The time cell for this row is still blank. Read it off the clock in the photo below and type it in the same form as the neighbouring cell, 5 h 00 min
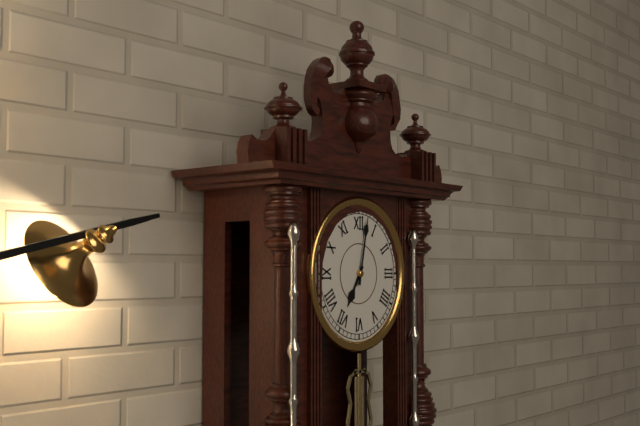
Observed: 7 h 02 min
